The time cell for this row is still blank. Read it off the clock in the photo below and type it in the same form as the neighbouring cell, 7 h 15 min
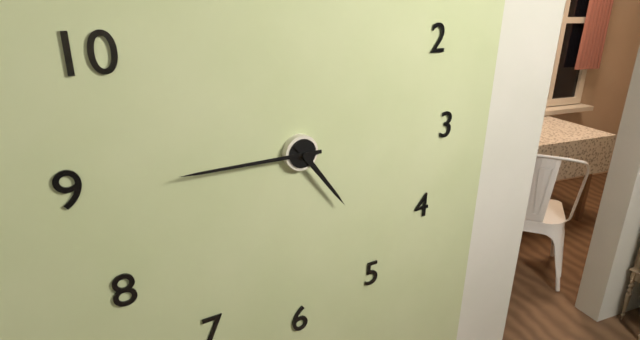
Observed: 4 h 45 min
